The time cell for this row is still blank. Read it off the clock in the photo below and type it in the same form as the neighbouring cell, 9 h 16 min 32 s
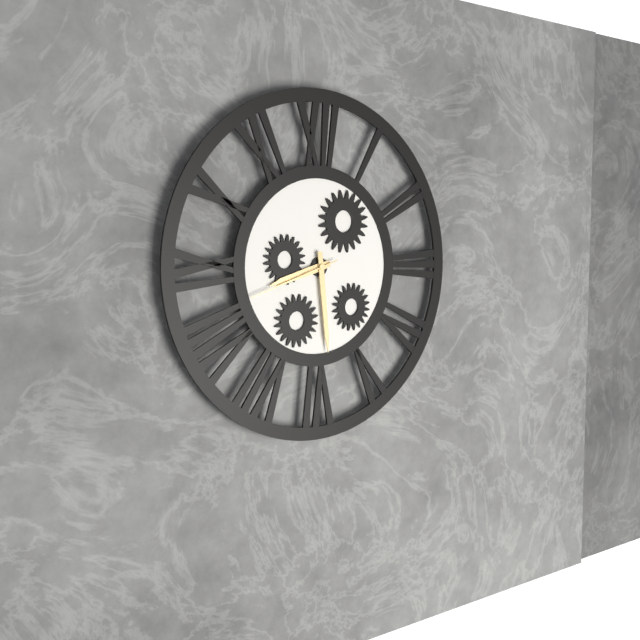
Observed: 8 h 29 min 42 s
